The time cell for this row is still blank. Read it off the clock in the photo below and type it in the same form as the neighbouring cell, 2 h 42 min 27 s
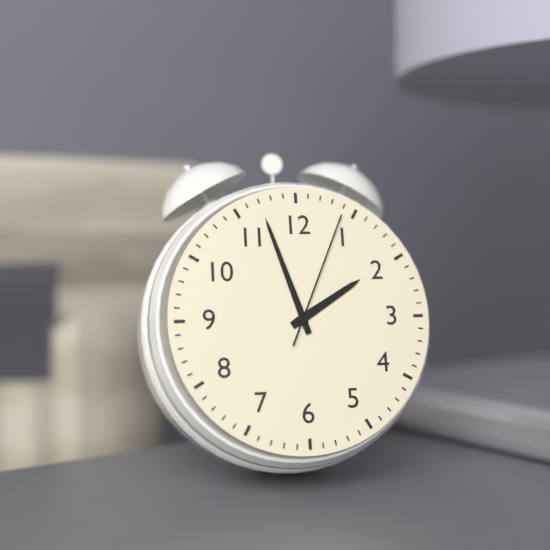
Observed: 1 h 57 min 04 s
